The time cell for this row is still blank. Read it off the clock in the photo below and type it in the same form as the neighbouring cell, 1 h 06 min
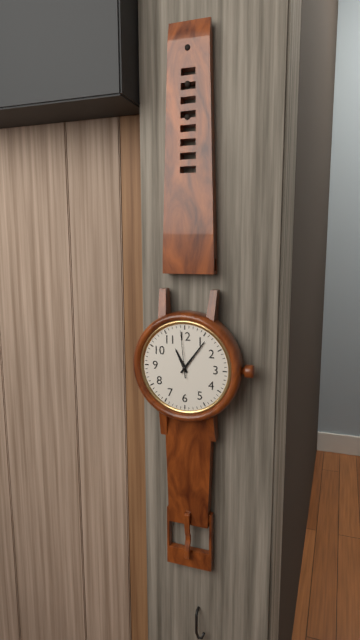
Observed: 11 h 06 min
